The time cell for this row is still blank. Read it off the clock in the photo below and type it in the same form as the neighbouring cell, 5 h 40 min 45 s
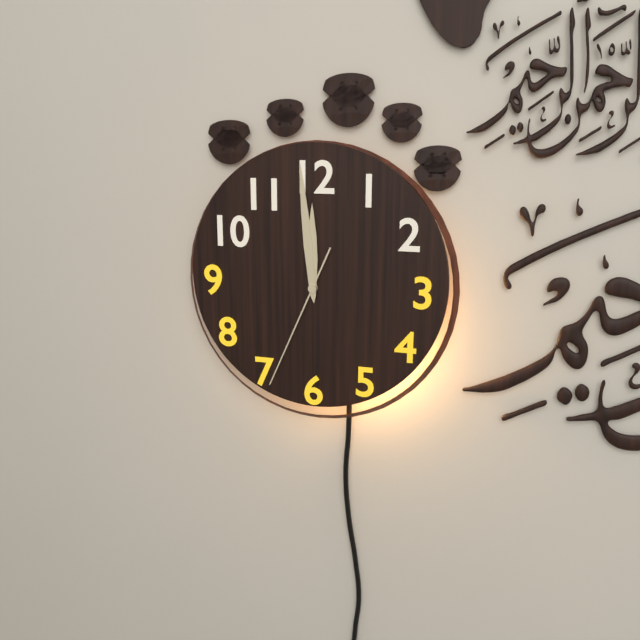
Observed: 11 h 59 min 34 s
